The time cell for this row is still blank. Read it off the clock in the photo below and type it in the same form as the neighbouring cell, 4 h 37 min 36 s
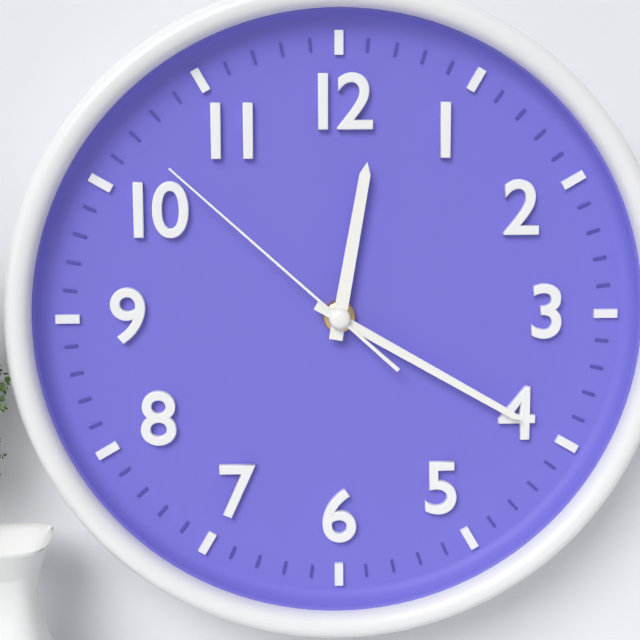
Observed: 12 h 20 min 52 s
